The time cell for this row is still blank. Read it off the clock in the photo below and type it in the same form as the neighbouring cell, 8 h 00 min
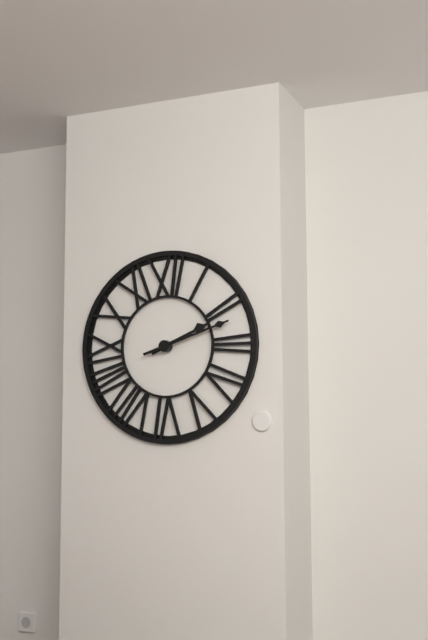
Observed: 2 h 12 min
